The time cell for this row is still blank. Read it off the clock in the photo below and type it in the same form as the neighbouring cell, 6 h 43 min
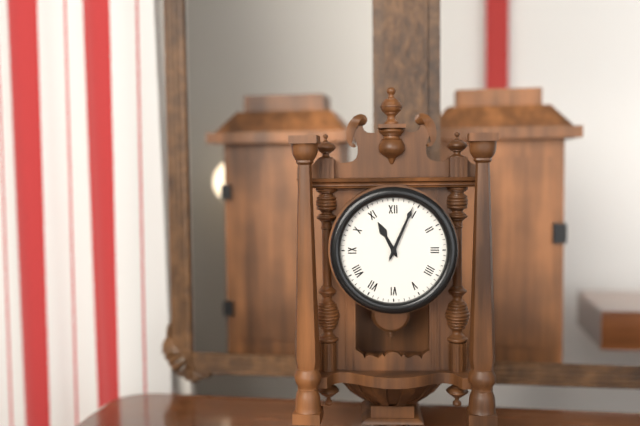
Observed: 11 h 04 min
